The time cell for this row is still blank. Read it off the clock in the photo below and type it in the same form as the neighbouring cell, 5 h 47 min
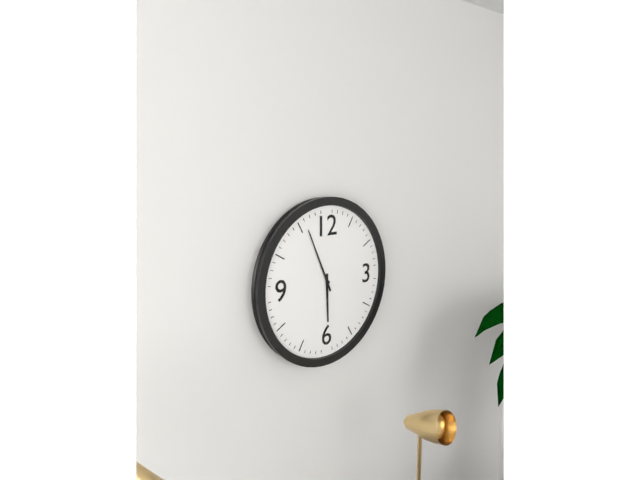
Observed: 5 h 56 min
